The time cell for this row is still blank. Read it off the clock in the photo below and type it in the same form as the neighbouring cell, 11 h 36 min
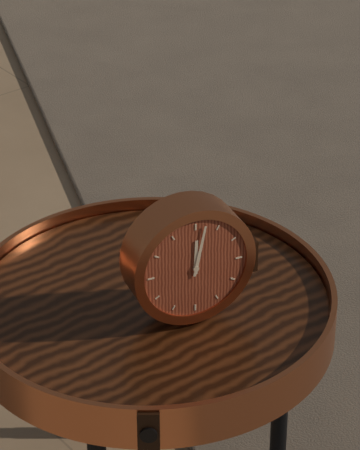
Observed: 12 h 02 min
